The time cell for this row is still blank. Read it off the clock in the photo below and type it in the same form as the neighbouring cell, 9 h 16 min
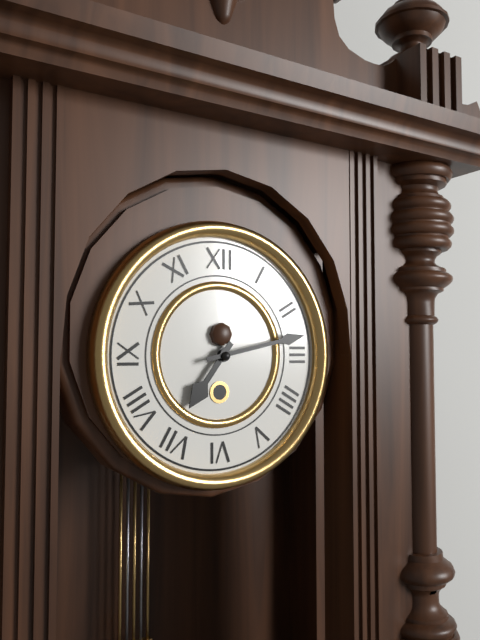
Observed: 7 h 13 min
